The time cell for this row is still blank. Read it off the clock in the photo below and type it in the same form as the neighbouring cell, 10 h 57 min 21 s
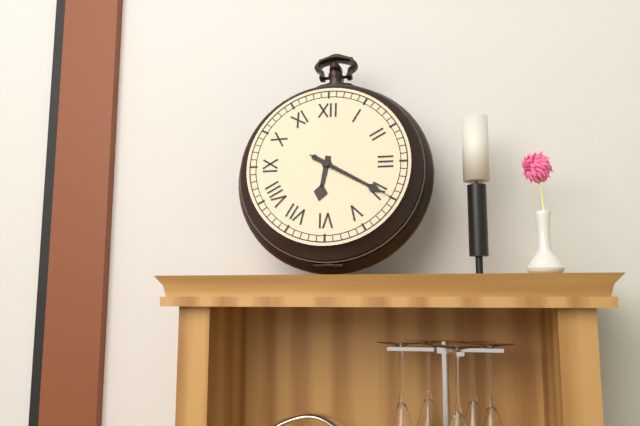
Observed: 6 h 20 min 20 s
